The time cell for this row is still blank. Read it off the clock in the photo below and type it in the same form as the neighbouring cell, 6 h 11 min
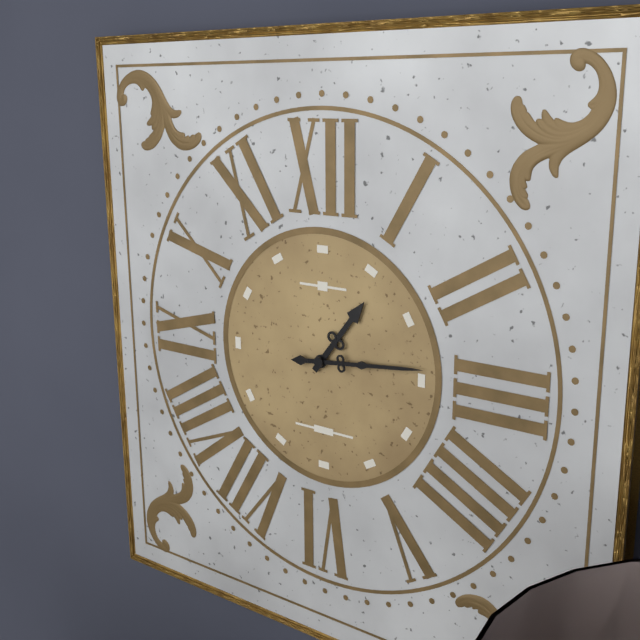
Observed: 1 h 14 min
